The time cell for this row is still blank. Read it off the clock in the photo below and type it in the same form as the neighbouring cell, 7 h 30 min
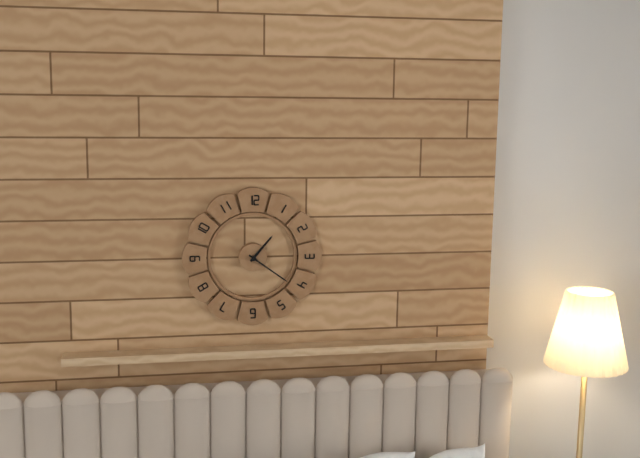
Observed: 1 h 21 min
